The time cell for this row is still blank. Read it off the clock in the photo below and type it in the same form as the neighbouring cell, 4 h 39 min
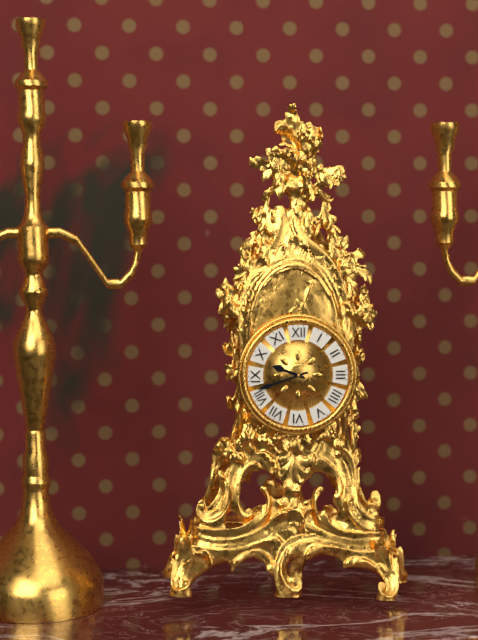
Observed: 9 h 42 min
